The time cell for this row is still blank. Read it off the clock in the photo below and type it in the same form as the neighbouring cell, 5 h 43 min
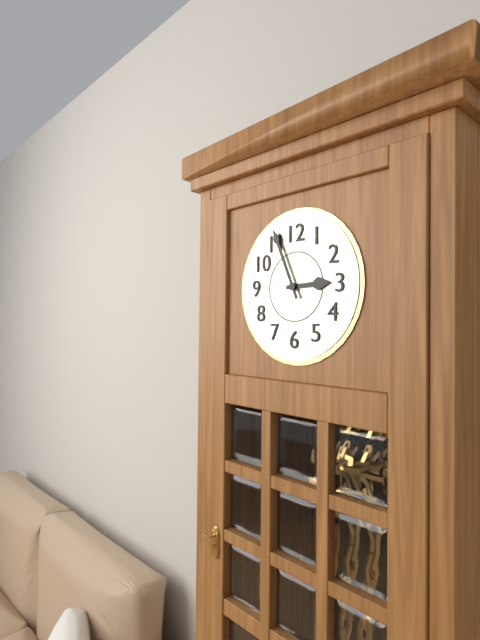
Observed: 2 h 56 min
